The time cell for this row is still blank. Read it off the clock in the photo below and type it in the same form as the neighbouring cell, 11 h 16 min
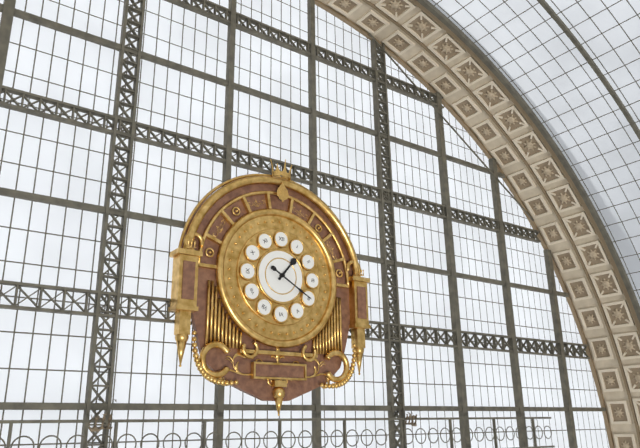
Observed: 1 h 20 min
